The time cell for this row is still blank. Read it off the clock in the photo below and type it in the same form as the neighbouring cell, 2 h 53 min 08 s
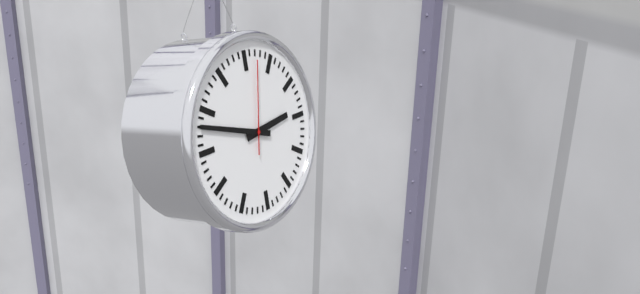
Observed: 2 h 48 min 02 s
